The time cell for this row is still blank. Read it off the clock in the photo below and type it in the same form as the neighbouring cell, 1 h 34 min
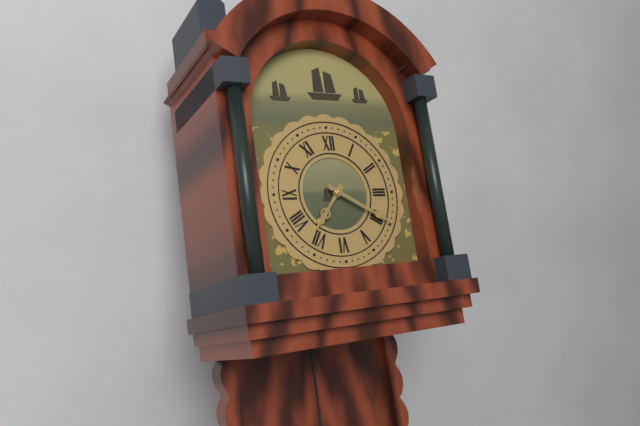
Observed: 7 h 20 min
